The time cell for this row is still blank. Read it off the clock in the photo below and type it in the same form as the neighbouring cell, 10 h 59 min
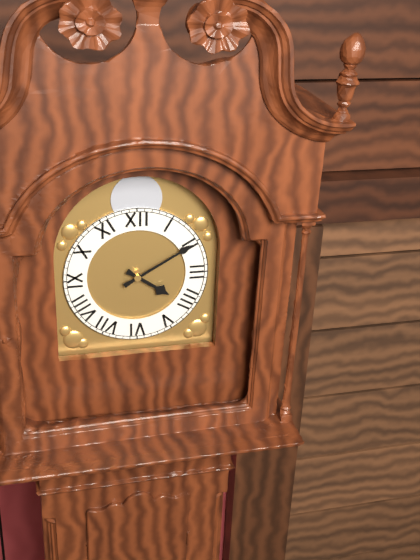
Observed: 4 h 10 min
